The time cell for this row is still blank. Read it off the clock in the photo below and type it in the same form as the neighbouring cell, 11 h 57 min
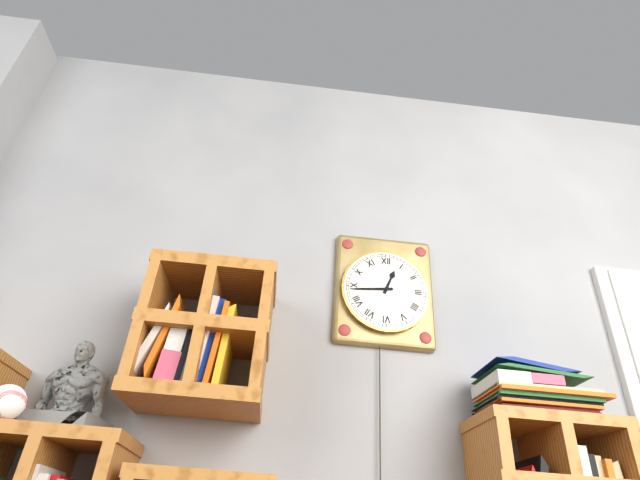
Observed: 12 h 44 min
